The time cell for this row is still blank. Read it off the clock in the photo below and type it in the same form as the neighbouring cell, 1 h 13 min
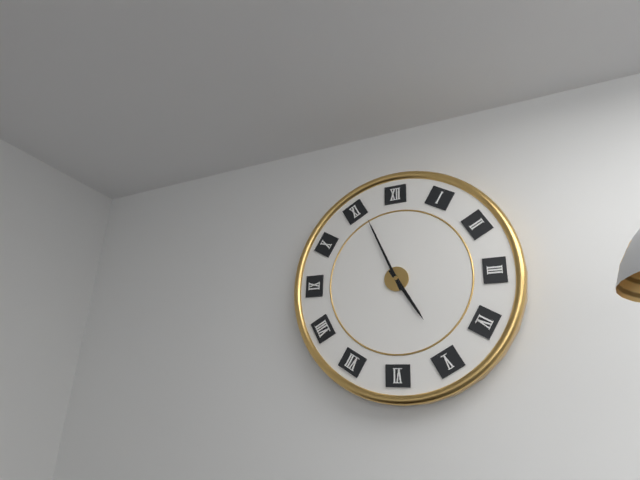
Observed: 4 h 56 min
